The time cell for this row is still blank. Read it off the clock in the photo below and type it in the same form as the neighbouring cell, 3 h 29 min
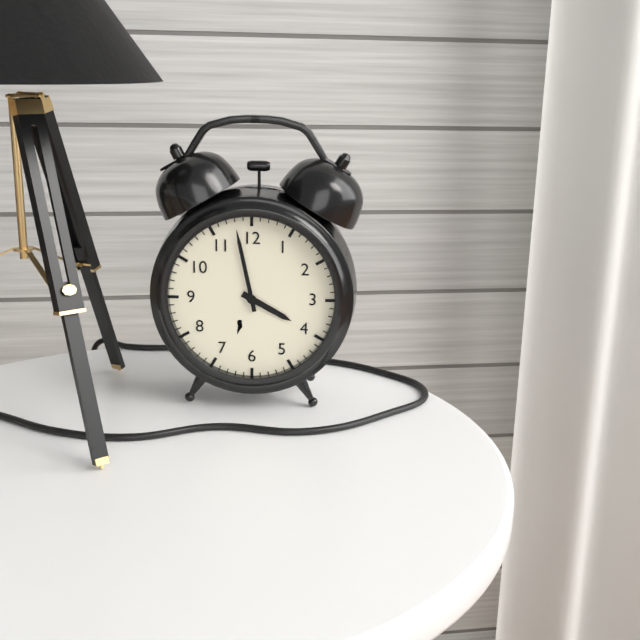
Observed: 3 h 58 min
